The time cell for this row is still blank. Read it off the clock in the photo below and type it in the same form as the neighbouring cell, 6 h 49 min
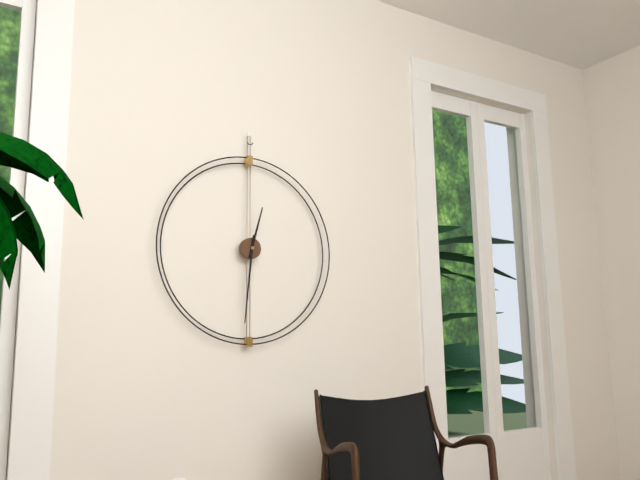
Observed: 12 h 31 min
